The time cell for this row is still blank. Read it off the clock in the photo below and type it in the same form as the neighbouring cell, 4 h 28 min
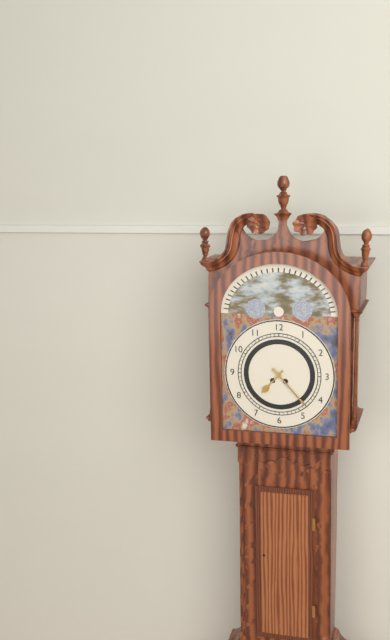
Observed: 7 h 23 min
